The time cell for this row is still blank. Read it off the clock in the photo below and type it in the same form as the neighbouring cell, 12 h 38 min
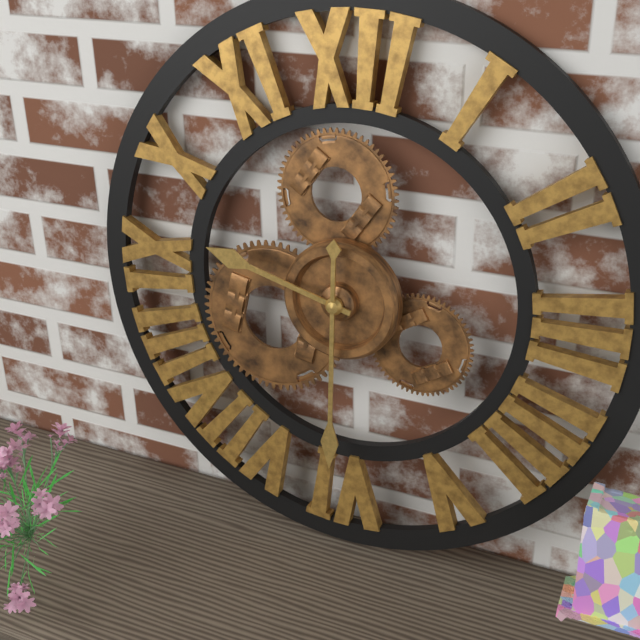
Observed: 9 h 30 min
